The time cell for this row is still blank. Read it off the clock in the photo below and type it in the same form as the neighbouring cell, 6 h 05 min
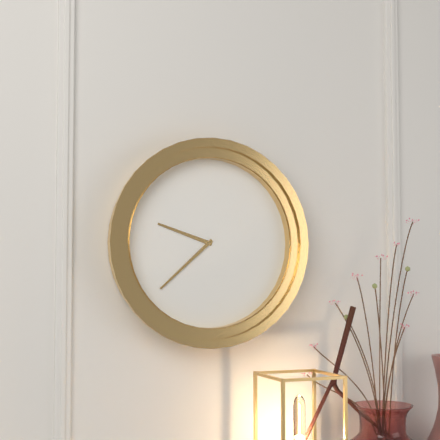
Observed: 9 h 38 min
